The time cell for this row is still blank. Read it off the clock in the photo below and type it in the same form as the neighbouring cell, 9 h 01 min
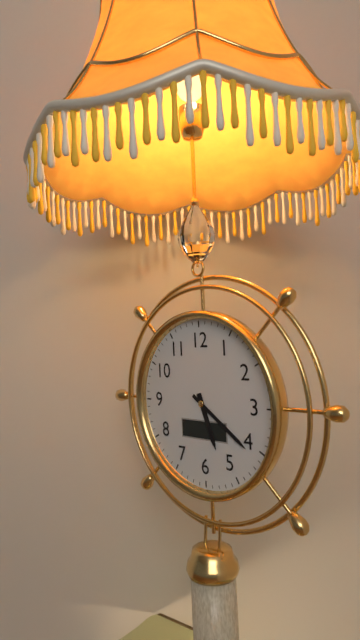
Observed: 5 h 21 min
